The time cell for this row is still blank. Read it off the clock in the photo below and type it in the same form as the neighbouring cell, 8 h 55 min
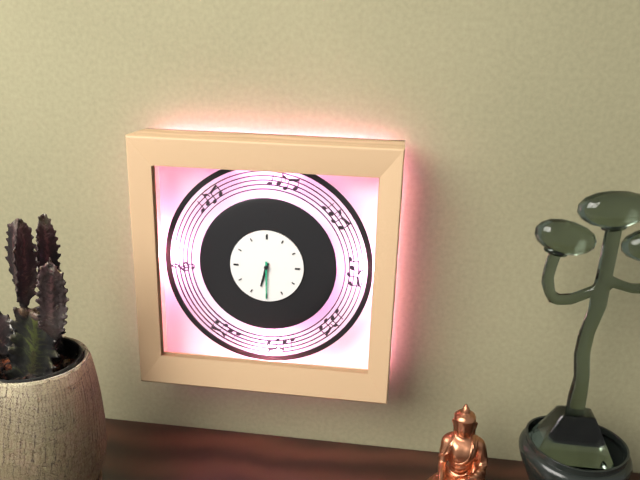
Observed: 6 h 30 min
